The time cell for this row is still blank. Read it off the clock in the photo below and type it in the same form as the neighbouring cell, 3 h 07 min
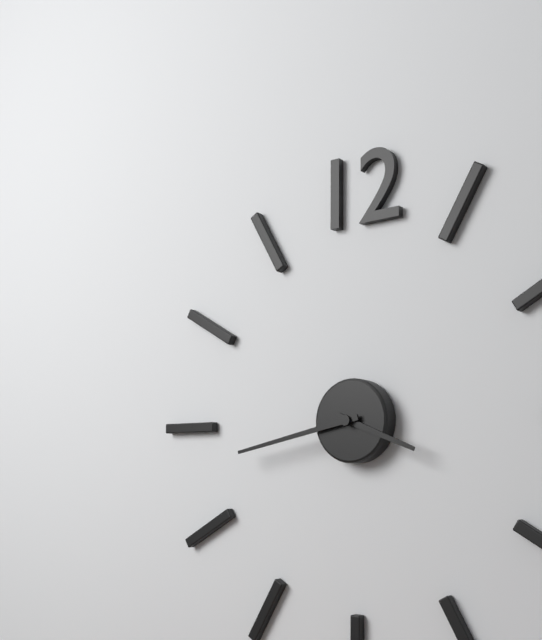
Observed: 3 h 43 min
